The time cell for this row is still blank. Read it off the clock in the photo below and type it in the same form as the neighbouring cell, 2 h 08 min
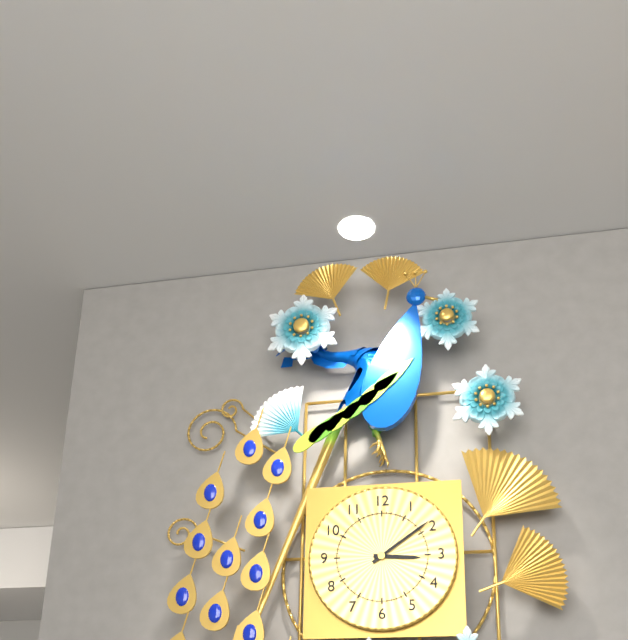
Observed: 3 h 09 min
